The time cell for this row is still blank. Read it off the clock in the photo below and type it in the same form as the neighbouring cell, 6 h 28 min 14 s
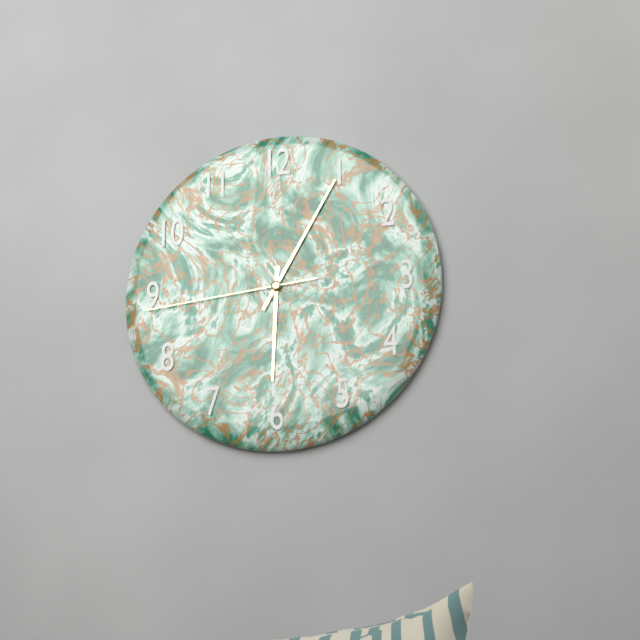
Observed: 6 h 05 min 44 s
